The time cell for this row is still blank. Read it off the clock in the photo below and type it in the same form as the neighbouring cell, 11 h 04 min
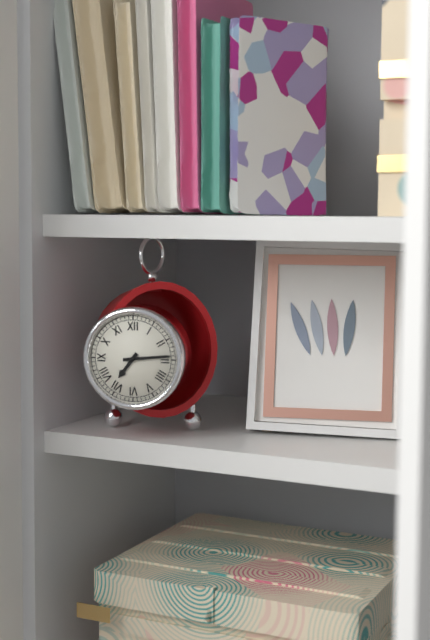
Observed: 7 h 14 min
